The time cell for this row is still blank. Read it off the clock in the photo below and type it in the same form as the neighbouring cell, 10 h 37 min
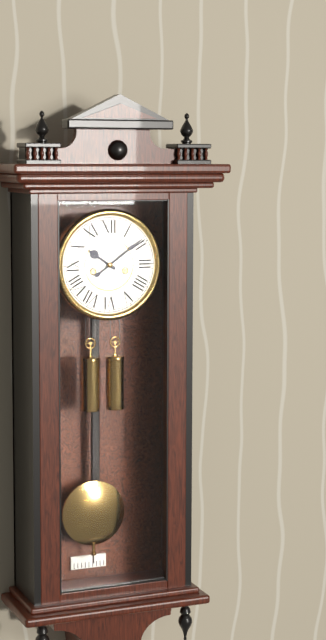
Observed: 10 h 09 min
